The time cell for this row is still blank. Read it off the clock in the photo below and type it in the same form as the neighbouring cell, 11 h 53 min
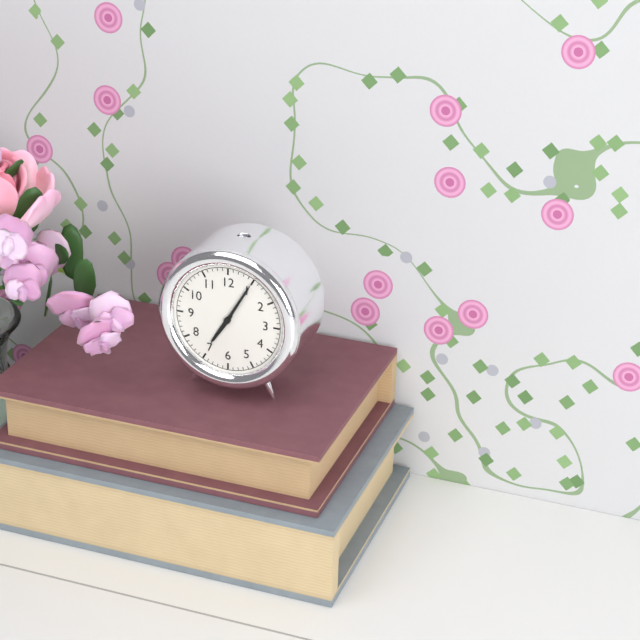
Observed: 7 h 05 min
